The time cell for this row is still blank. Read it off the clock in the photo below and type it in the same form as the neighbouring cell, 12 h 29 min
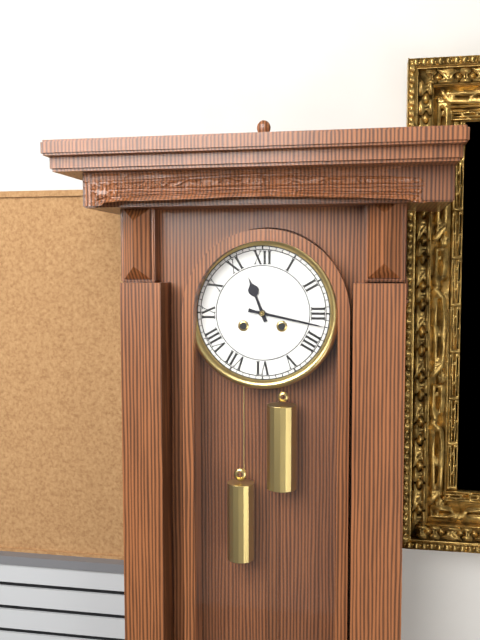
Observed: 11 h 17 min
